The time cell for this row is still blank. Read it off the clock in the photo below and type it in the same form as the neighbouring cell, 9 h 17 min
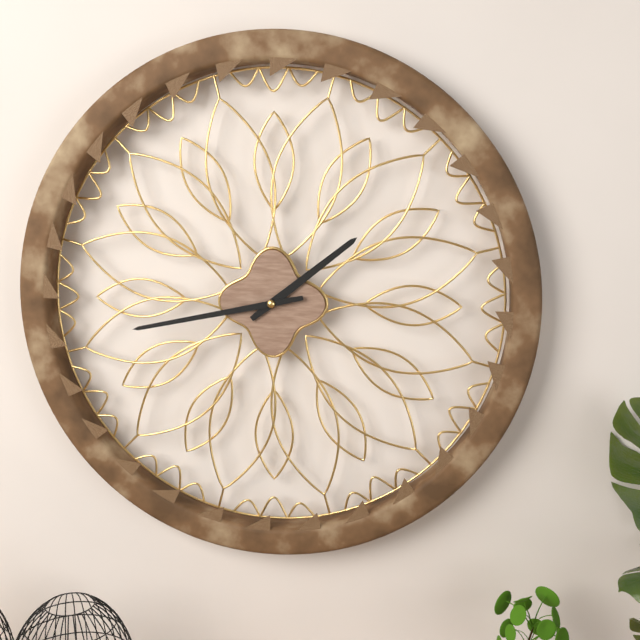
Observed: 1 h 43 min
